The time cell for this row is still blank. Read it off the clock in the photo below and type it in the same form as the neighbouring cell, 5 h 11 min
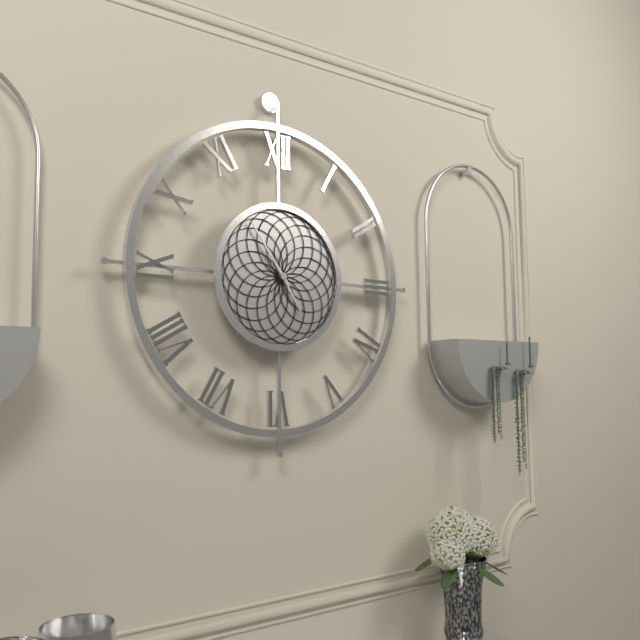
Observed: 4 h 54 min
